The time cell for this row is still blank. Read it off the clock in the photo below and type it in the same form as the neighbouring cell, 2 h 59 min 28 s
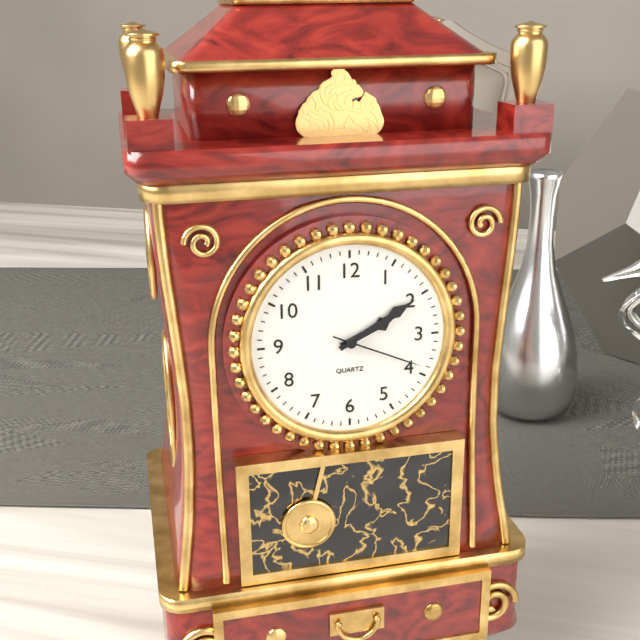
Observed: 2 h 10 min 19 s
